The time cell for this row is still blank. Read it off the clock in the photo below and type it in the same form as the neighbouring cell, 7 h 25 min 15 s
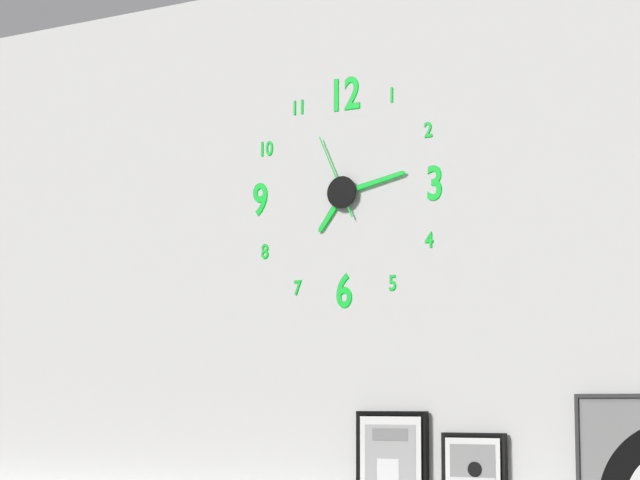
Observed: 7 h 13 min 56 s
